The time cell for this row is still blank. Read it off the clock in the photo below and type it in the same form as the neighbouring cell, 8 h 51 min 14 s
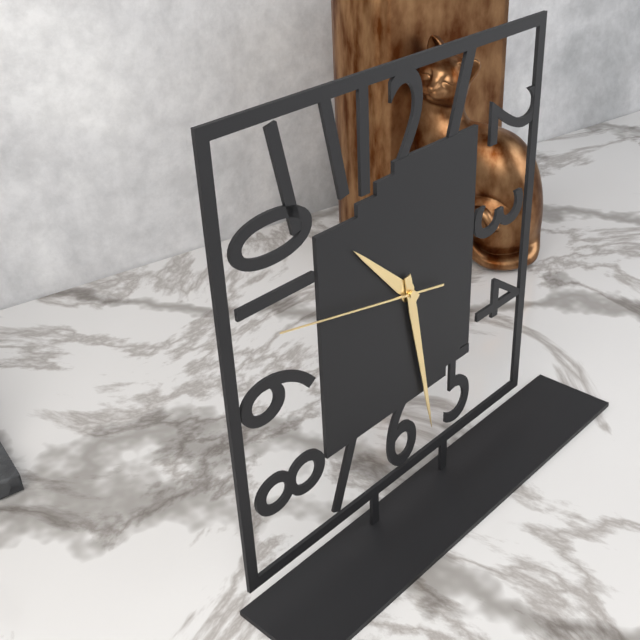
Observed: 10 h 28 min 47 s
